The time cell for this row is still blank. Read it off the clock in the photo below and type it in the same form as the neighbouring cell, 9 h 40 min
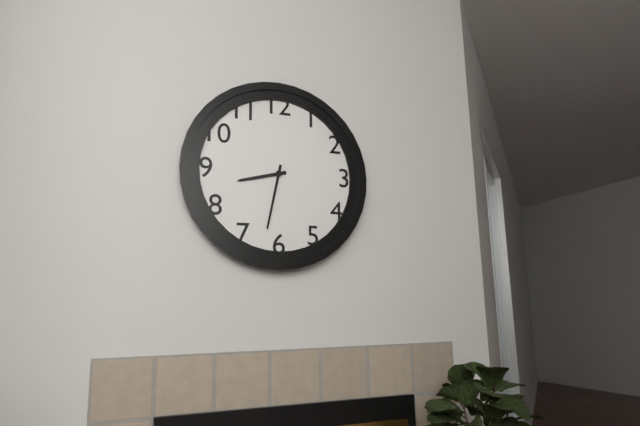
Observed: 8 h 32 min
